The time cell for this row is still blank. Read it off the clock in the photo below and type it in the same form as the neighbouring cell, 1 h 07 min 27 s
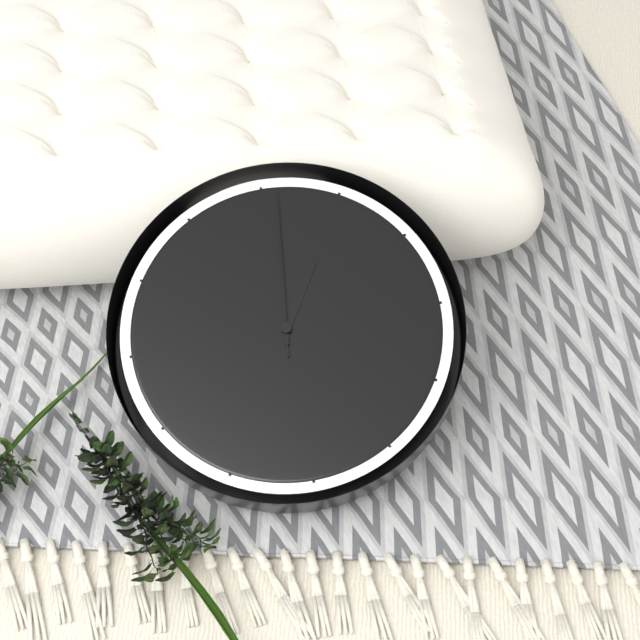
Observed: 1 h 01 min 01 s
